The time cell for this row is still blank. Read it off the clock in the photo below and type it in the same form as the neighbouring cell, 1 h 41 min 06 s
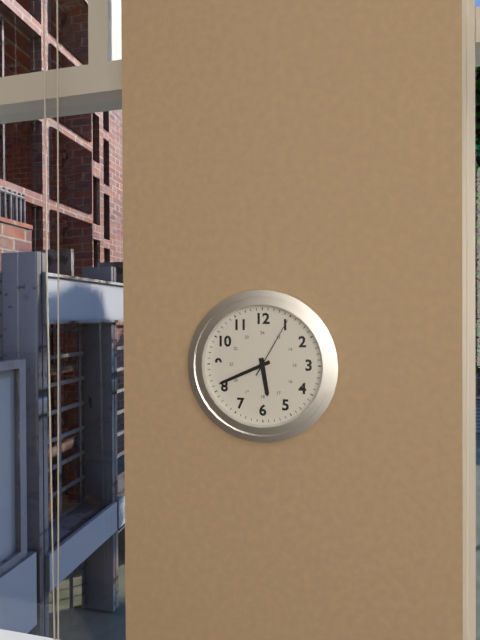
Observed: 5 h 41 min 05 s
